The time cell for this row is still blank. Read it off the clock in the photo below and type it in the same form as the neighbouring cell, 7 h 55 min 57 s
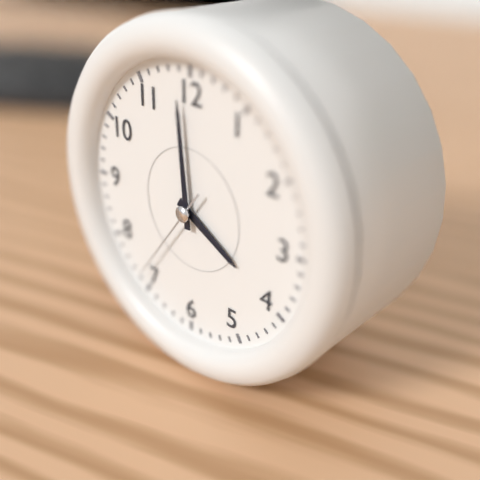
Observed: 3 h 59 min 36 s
